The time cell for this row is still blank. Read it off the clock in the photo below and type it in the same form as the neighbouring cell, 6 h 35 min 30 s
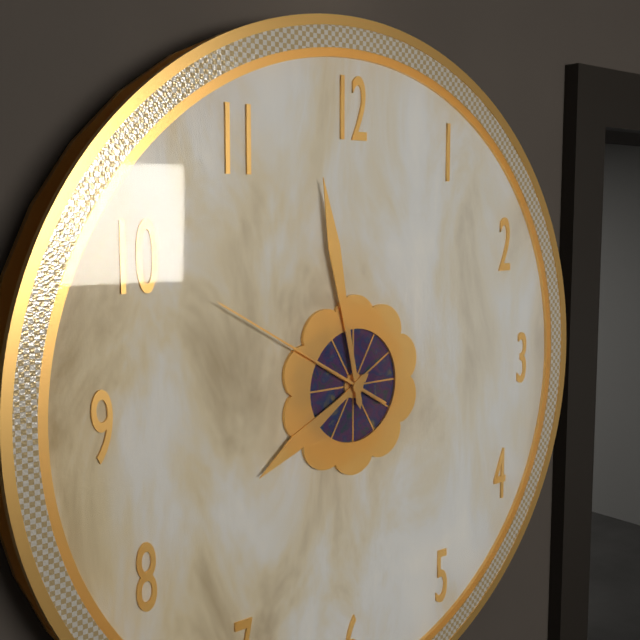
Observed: 7 h 58 min 50 s
